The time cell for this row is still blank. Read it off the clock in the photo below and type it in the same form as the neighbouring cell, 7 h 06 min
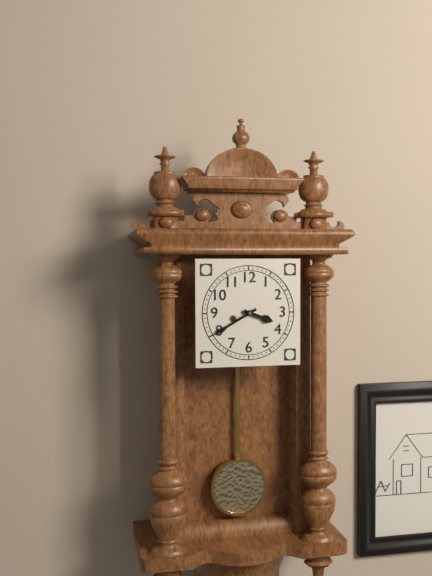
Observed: 3 h 40 min
